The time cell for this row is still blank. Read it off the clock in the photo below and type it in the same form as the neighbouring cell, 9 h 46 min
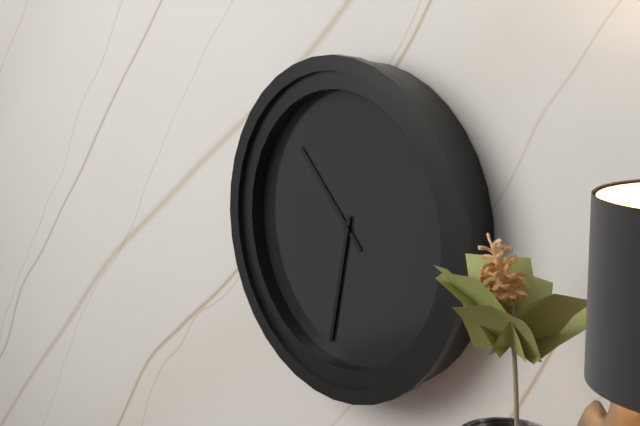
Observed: 10 h 32 min
